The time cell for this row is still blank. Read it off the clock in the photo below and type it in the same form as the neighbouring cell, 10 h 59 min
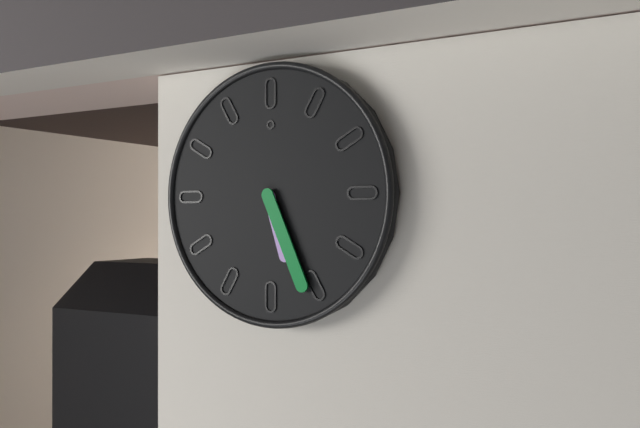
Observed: 5 h 26 min
